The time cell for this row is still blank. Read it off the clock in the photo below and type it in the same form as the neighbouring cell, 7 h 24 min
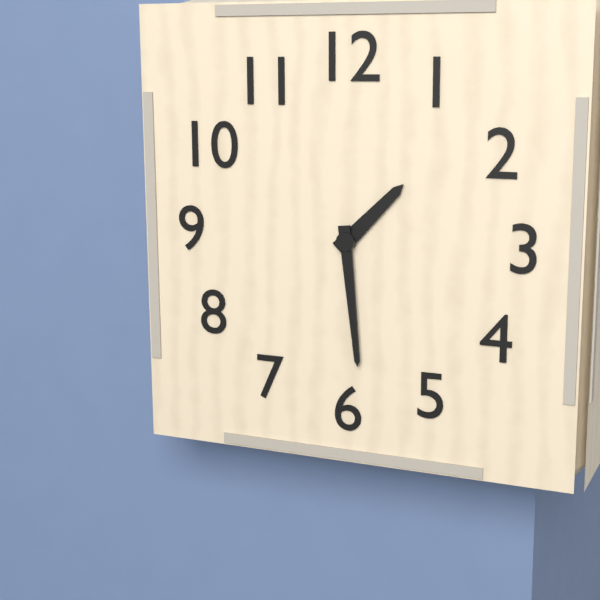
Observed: 1 h 29 min
